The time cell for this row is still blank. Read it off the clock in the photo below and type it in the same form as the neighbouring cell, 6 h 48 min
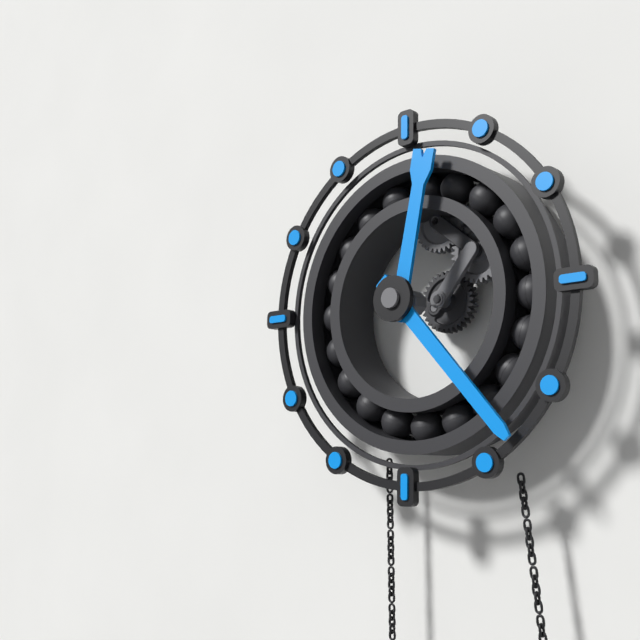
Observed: 12 h 23 min
